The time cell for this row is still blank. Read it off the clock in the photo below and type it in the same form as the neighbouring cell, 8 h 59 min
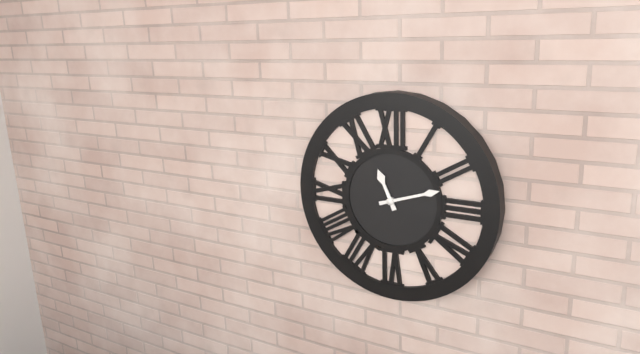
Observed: 11 h 12 min
